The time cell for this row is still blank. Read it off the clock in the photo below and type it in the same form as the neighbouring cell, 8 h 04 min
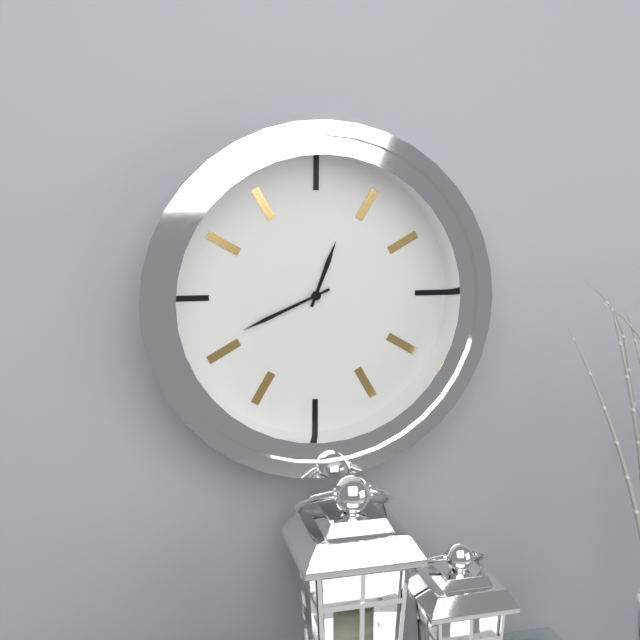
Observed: 12 h 41 min
